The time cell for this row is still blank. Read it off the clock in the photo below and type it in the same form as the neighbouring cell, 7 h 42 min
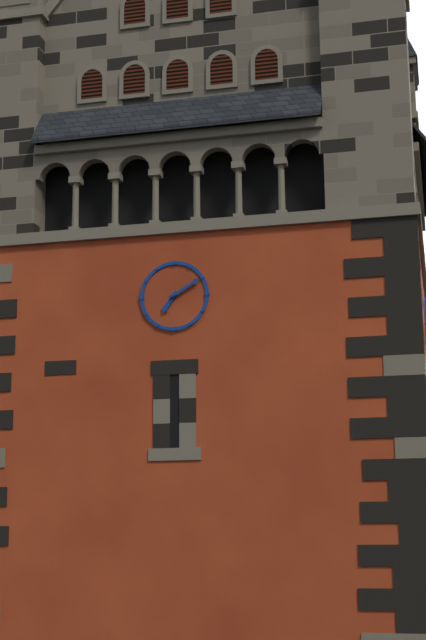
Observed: 7 h 10 min
